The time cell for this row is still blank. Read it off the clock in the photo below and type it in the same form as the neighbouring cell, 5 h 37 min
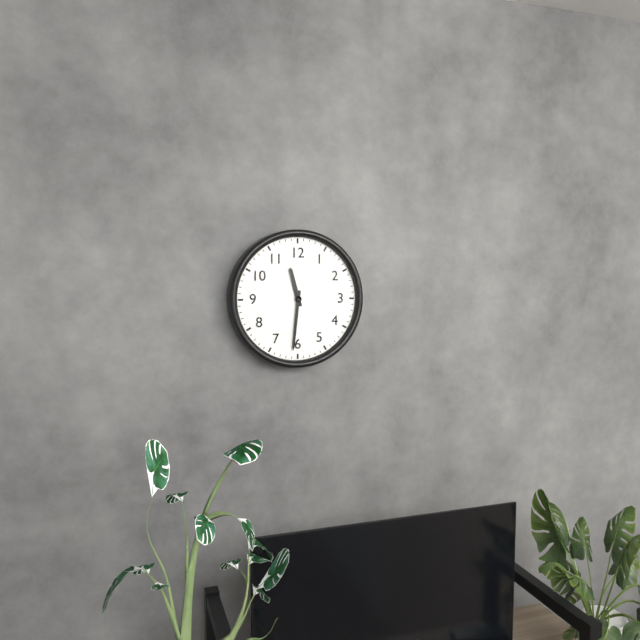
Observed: 11 h 31 min
